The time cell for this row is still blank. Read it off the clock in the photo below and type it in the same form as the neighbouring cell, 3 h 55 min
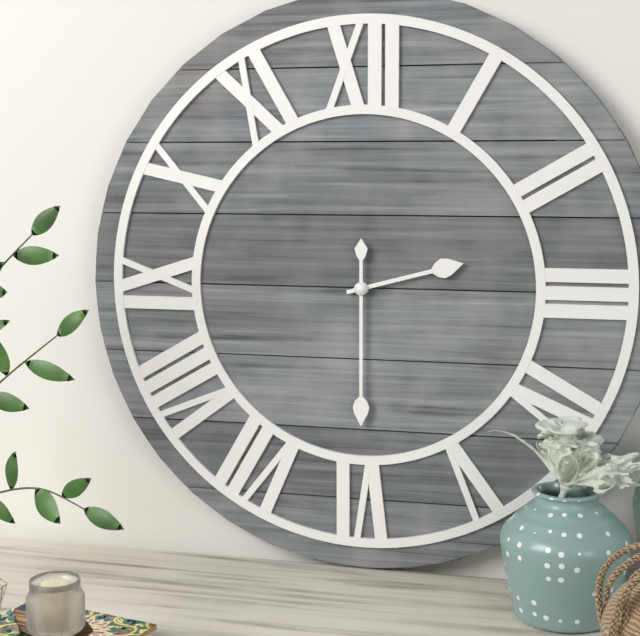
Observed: 2 h 30 min
